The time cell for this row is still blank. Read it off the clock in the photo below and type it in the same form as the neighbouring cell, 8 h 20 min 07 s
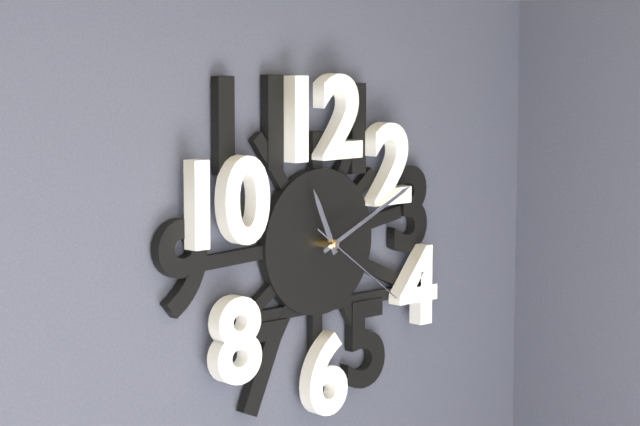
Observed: 11 h 11 min 21 s
